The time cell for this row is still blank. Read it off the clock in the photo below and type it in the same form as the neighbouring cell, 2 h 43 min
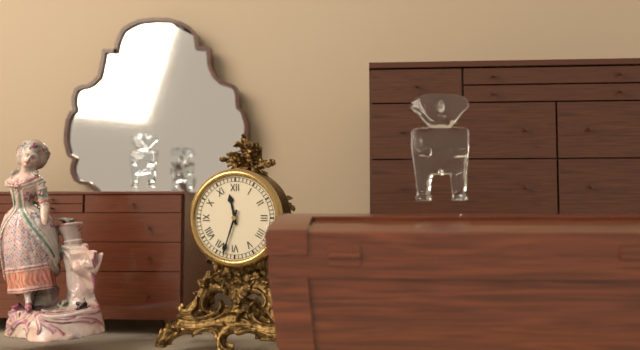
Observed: 11 h 33 min
